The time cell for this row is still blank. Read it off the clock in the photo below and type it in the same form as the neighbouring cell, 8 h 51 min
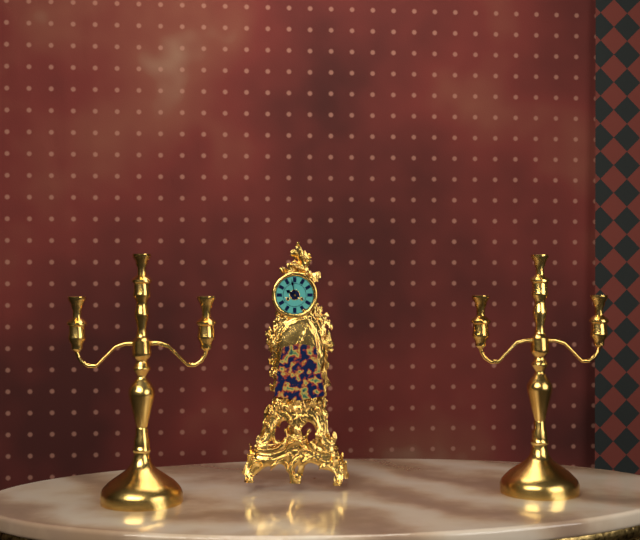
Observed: 9 h 58 min
